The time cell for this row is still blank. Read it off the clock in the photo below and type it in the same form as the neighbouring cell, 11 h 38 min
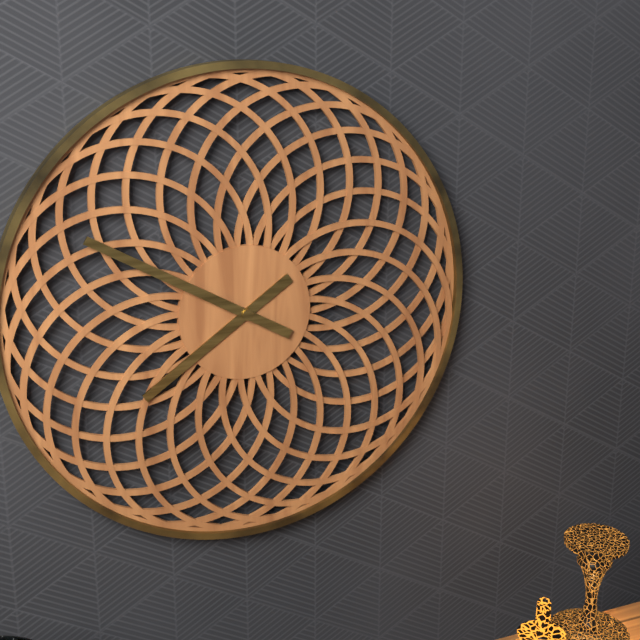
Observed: 7 h 50 min
